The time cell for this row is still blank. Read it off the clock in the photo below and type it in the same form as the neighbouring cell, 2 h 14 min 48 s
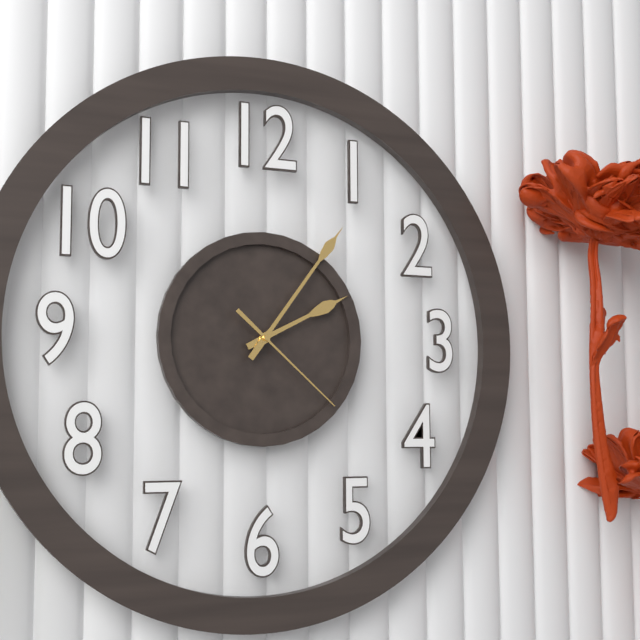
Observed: 2 h 06 min 22 s
